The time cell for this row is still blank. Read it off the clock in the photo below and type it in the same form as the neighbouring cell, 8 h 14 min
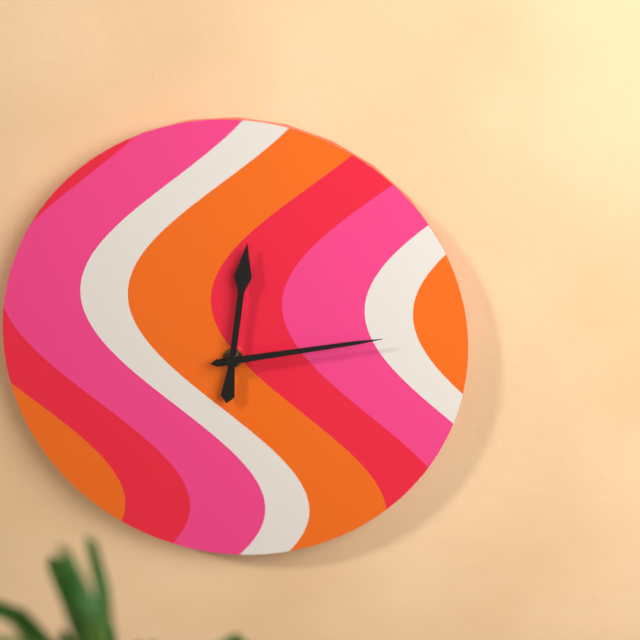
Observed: 12 h 13 min
